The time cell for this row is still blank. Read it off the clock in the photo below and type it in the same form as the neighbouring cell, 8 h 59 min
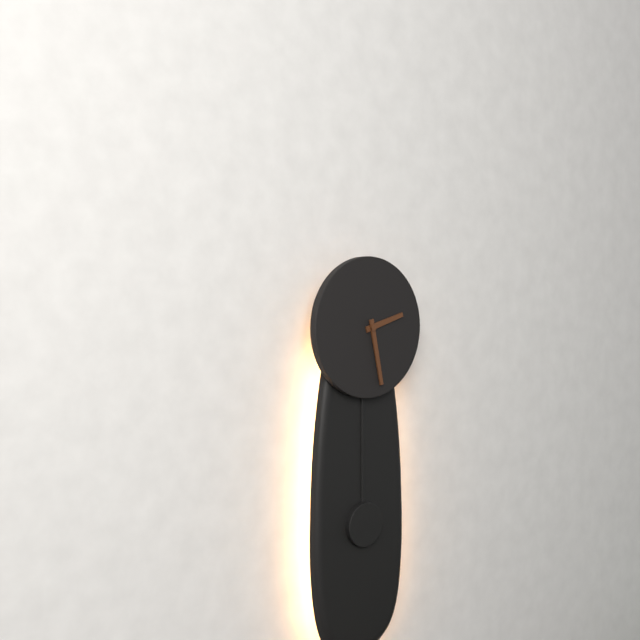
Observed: 2 h 28 min
